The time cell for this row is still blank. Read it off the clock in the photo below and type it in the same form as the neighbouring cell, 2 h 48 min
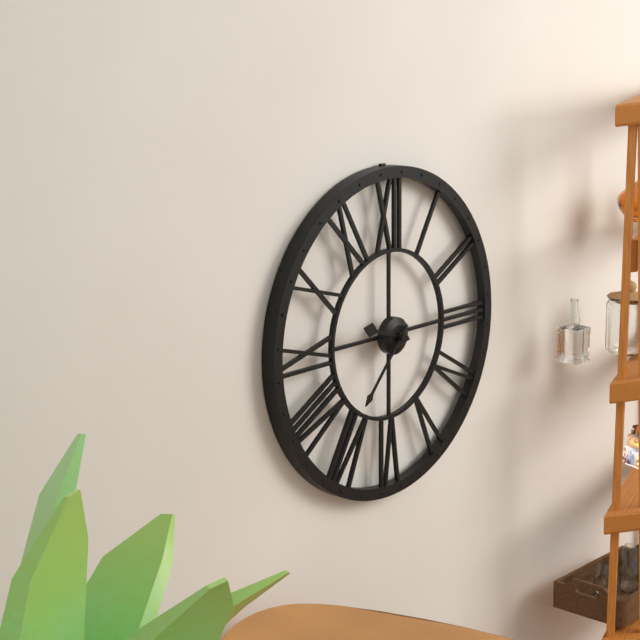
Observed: 9 h 37 min
